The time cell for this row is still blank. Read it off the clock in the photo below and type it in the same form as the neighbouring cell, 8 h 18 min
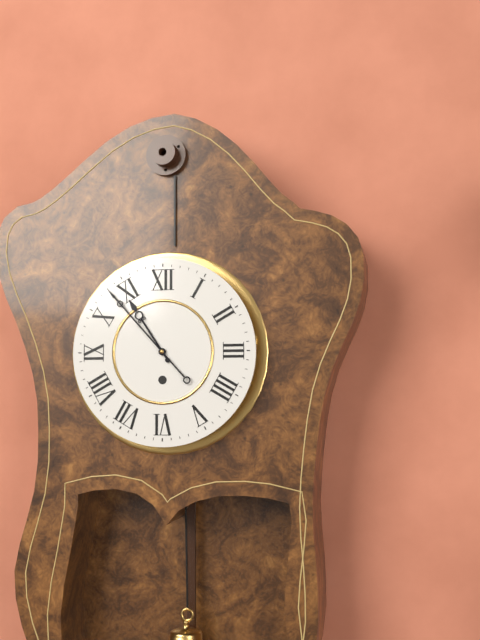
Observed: 10 h 53 min
